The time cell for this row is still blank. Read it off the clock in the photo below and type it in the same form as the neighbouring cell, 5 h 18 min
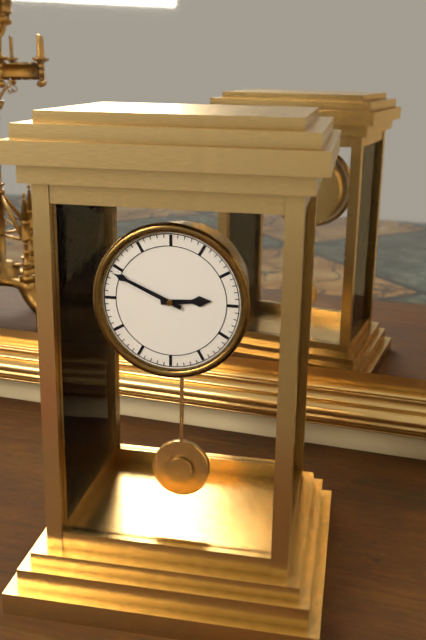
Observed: 2 h 49 min
